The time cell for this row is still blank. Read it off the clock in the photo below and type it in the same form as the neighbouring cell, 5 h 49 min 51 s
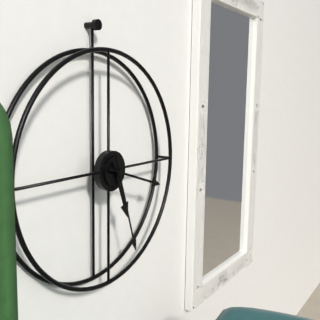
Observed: 5 h 18 min 27 s
